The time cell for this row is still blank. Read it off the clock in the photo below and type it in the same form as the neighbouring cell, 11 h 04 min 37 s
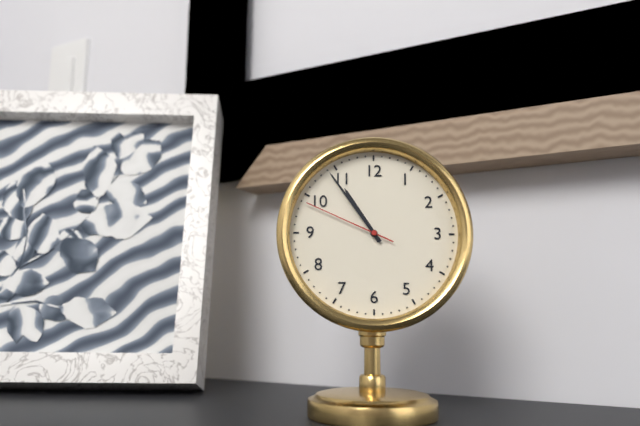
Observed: 10 h 54 min 49 s
